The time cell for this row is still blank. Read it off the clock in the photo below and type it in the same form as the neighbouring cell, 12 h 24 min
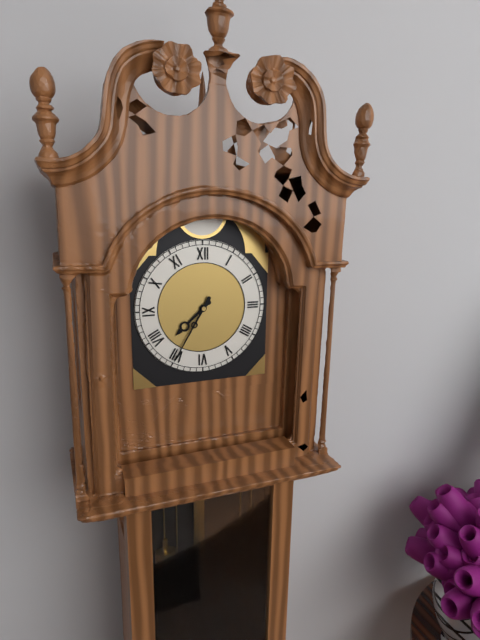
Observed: 7 h 35 min
